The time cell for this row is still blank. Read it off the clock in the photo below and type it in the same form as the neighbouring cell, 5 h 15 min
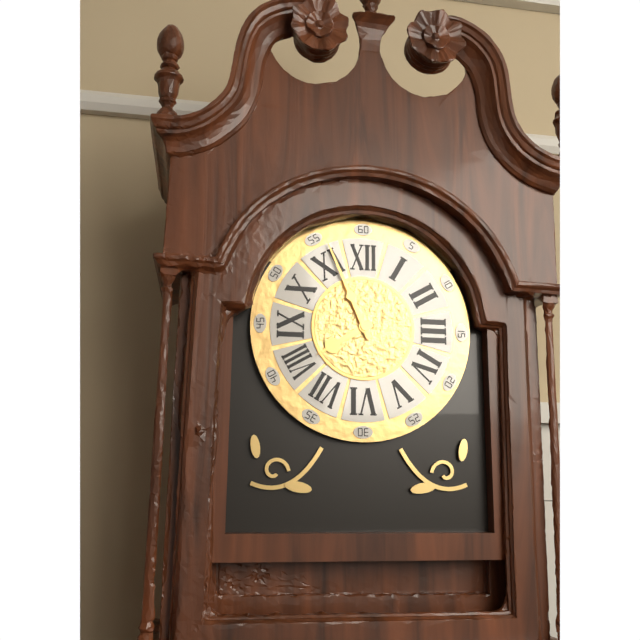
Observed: 7 h 56 min
